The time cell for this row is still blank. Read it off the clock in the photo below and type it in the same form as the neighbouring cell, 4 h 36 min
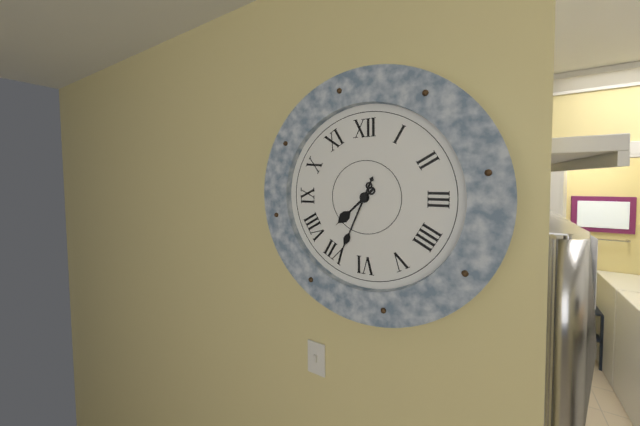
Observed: 7 h 34 min
